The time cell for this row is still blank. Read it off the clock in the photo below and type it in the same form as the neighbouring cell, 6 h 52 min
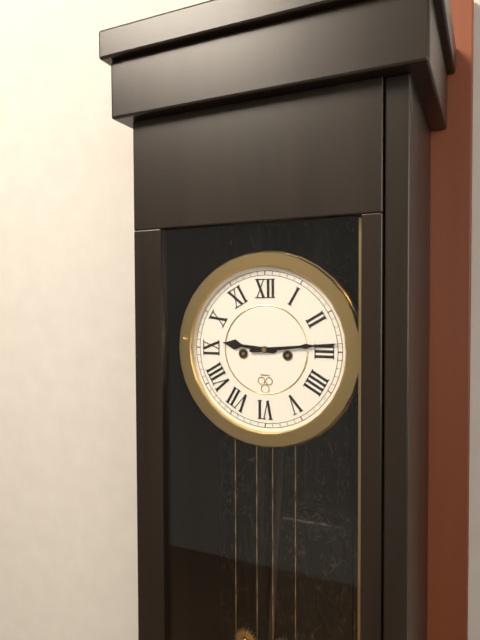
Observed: 9 h 14 min
